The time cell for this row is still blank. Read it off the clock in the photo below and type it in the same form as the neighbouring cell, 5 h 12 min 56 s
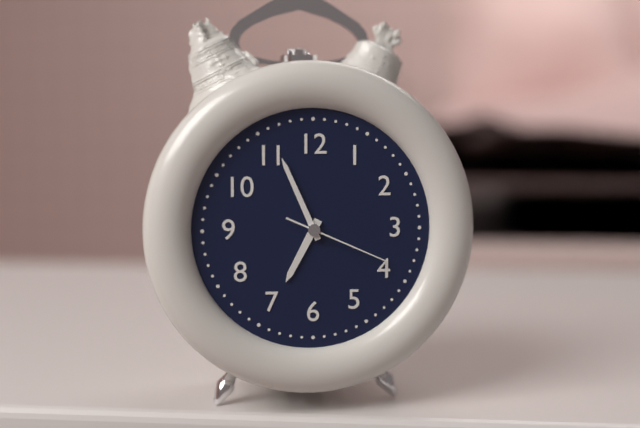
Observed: 6 h 56 min 19 s
